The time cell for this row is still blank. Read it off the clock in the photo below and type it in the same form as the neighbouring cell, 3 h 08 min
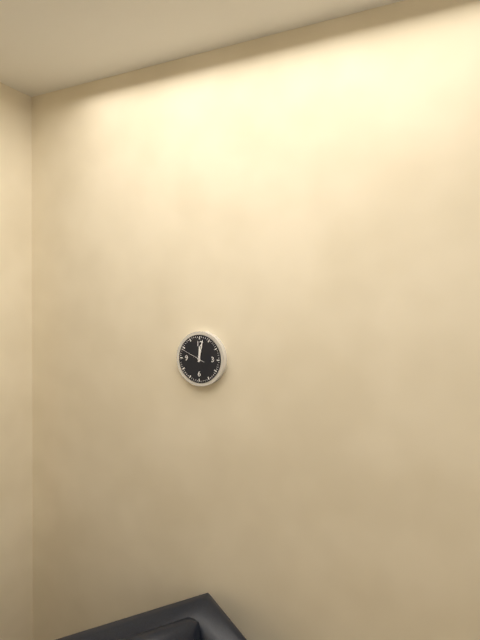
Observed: 12 h 02 min
